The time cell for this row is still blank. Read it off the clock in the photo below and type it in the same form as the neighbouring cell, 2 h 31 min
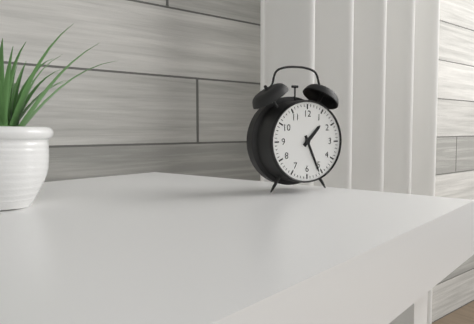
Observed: 1 h 26 min
